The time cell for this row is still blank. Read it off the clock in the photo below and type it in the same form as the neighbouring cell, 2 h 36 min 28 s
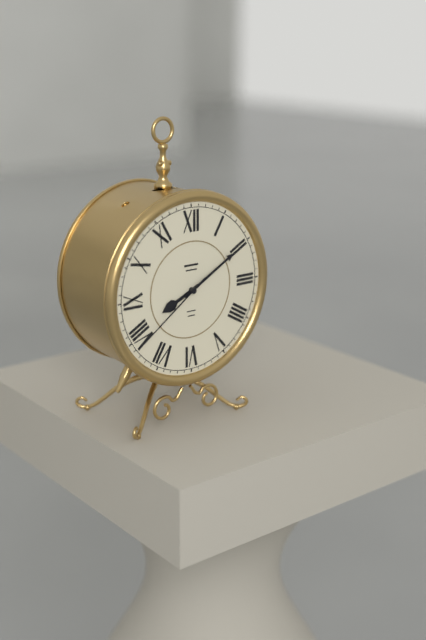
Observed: 8 h 10 min 39 s
